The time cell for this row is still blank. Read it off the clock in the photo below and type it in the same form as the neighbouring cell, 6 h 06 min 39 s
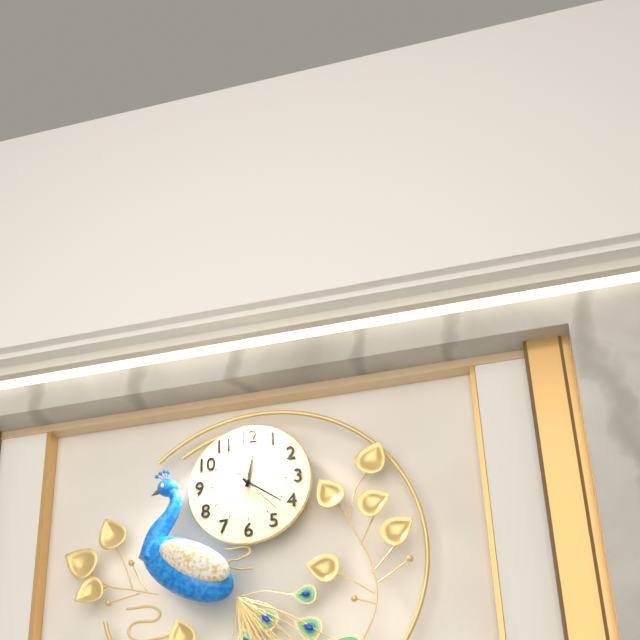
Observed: 12 h 21 min 23 s
